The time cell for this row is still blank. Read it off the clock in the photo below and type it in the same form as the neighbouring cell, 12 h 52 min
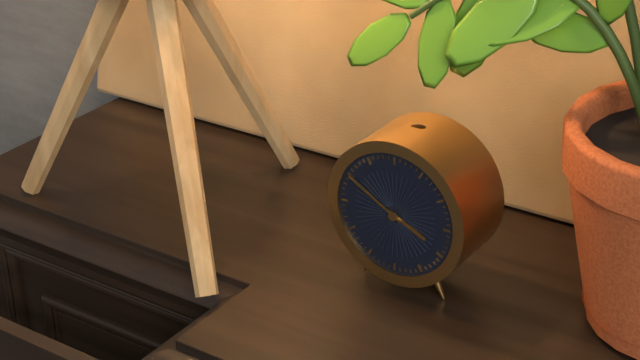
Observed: 3 h 50 min
